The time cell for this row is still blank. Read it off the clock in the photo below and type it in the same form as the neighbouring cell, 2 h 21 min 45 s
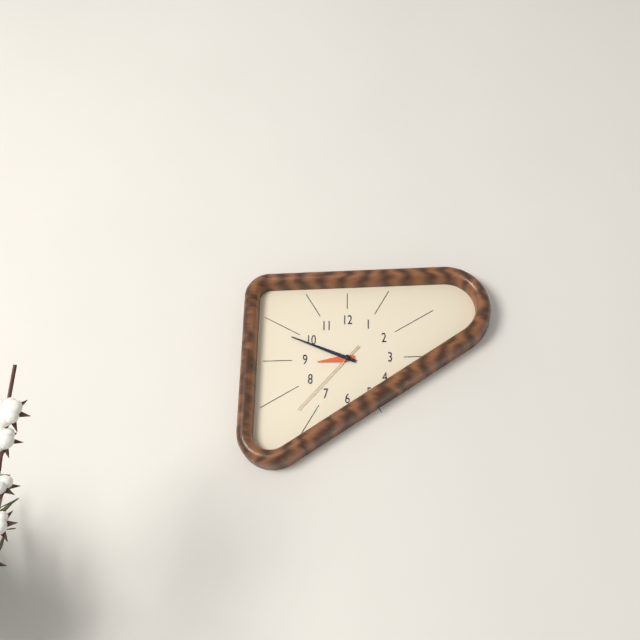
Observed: 8 h 49 min 37 s
